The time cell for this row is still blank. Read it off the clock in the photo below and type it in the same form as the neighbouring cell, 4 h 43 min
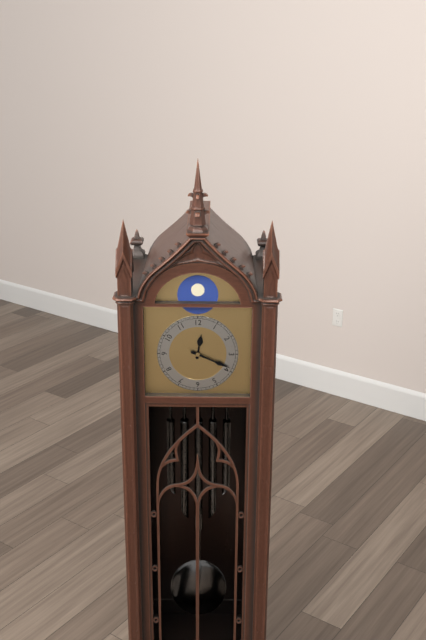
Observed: 12 h 19 min
